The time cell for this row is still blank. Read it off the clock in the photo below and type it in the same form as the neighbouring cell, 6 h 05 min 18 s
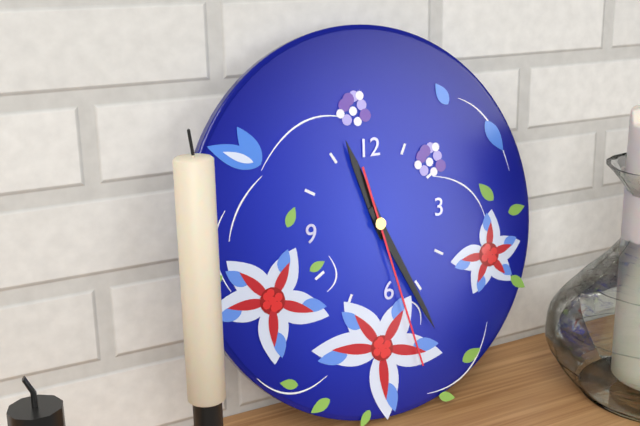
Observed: 11 h 26 min 28 s
